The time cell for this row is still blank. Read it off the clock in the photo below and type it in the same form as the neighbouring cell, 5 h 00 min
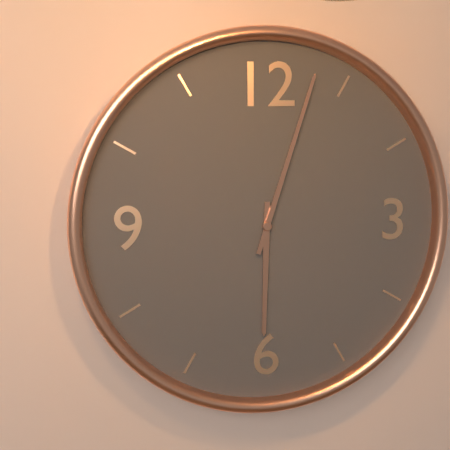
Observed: 6 h 03 min
